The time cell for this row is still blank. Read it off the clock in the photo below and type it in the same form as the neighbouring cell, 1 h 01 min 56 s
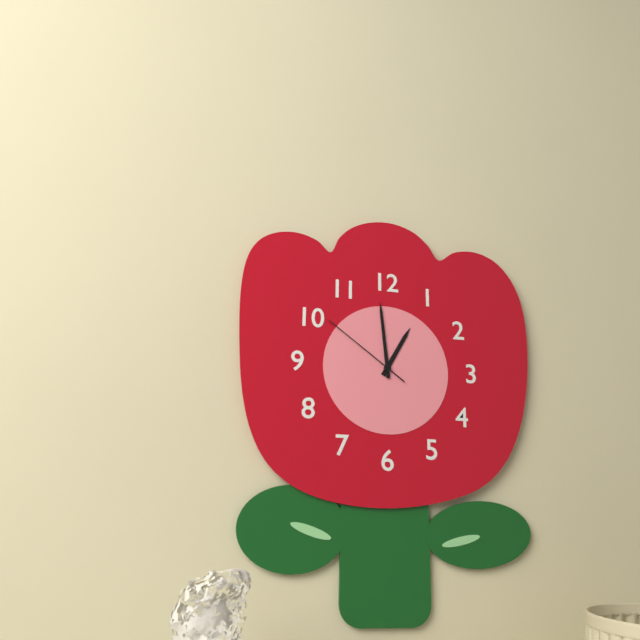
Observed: 12 h 59 min 51 s
